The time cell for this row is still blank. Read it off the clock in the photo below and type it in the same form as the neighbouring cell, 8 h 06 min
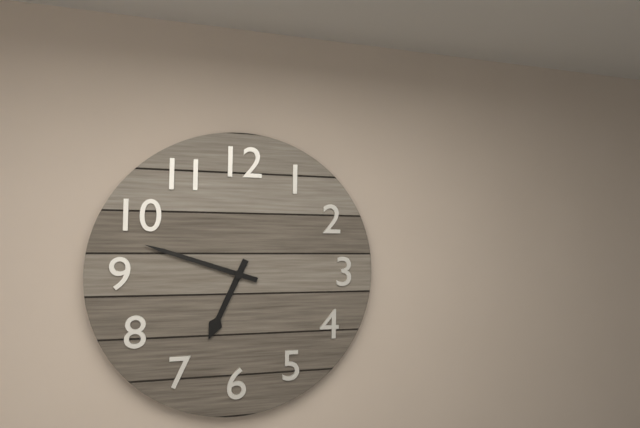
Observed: 6 h 48 min
